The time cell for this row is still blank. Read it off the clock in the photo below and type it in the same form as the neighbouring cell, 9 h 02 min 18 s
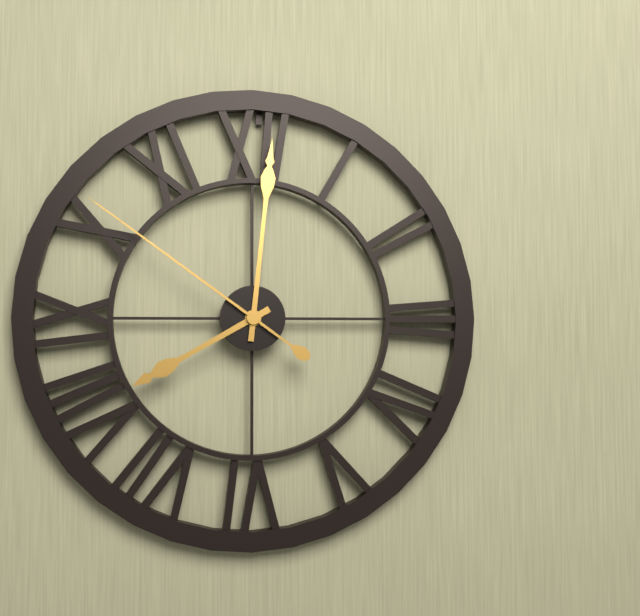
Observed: 8 h 01 min 51 s
